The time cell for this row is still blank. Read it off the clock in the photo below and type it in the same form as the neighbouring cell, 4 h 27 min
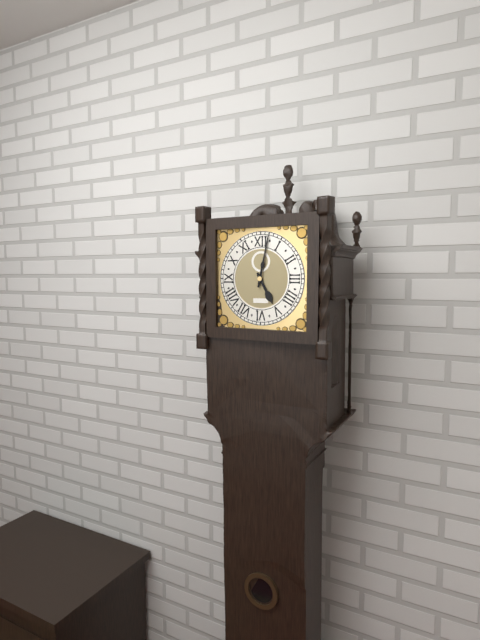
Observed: 5 h 02 min
